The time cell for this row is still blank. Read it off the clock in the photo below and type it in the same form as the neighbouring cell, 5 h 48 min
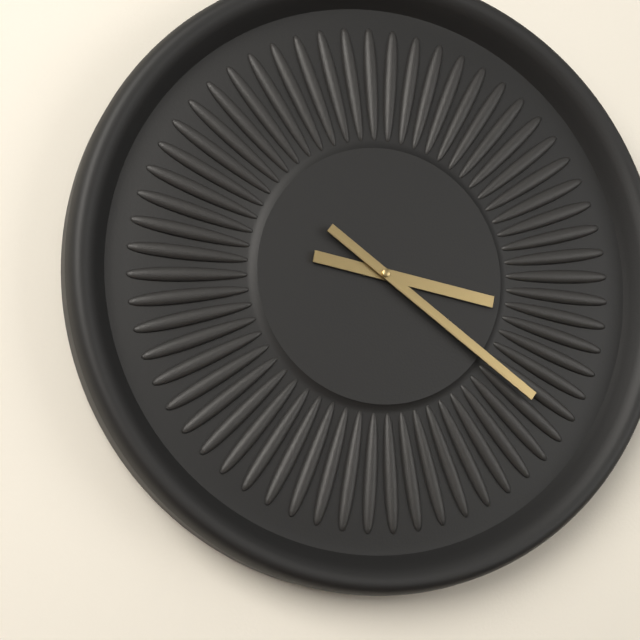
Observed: 3 h 21 min
